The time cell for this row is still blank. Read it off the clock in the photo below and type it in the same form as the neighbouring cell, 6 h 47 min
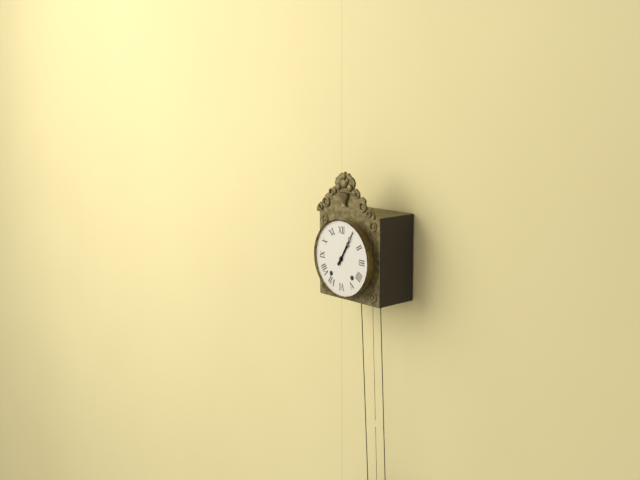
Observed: 1 h 05 min
